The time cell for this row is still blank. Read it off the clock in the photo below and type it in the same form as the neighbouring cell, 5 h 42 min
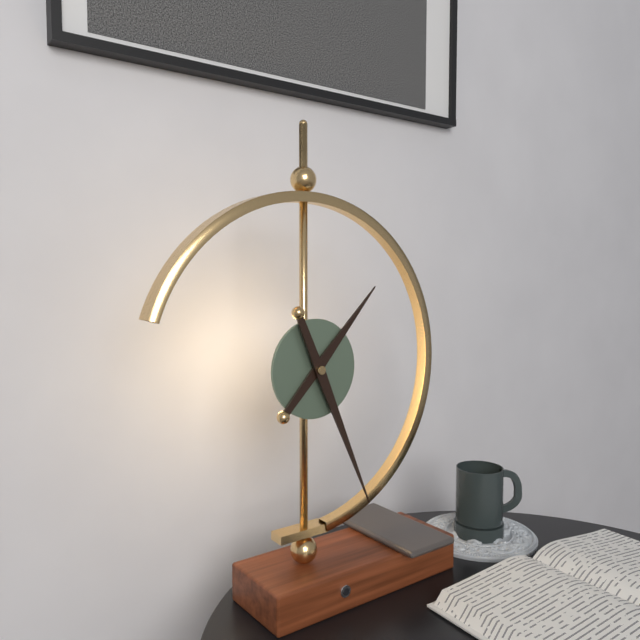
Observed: 1 h 26 min
